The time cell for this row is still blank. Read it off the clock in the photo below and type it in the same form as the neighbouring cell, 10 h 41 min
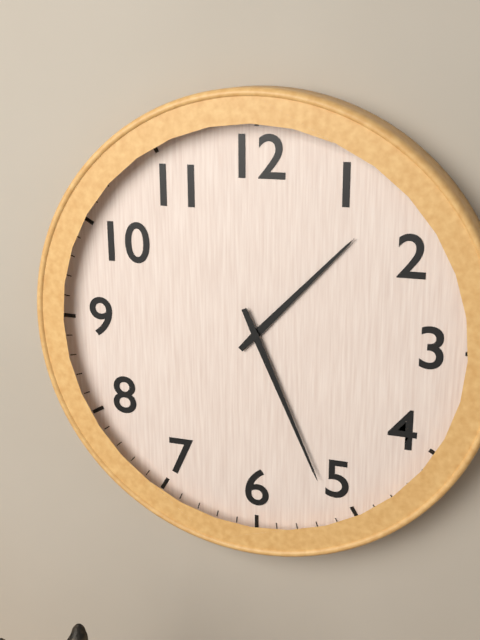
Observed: 1 h 26 min
